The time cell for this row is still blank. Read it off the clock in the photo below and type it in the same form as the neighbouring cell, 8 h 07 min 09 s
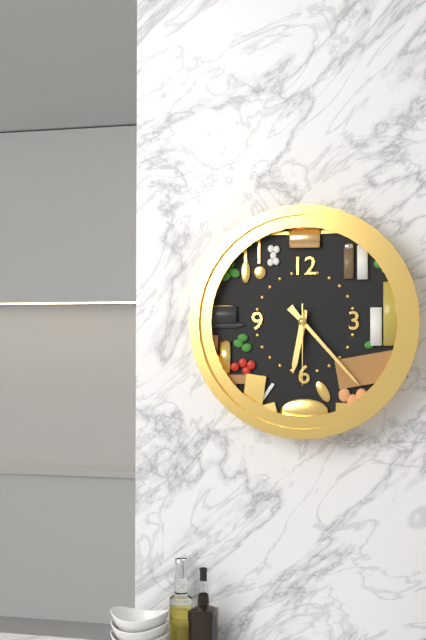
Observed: 6 h 23 min 30 s
